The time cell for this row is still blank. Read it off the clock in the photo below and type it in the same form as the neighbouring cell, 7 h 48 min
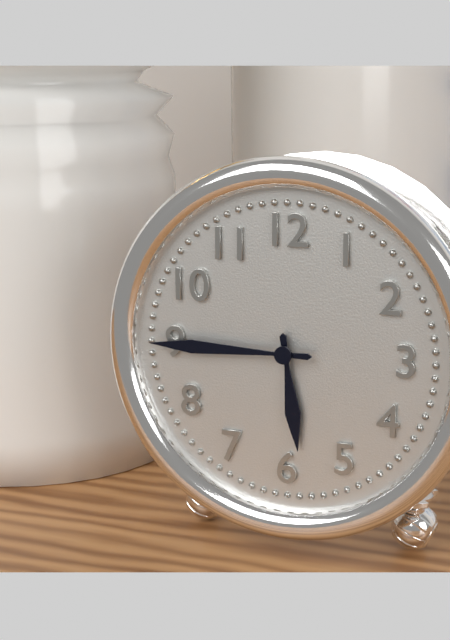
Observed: 5 h 45 min
